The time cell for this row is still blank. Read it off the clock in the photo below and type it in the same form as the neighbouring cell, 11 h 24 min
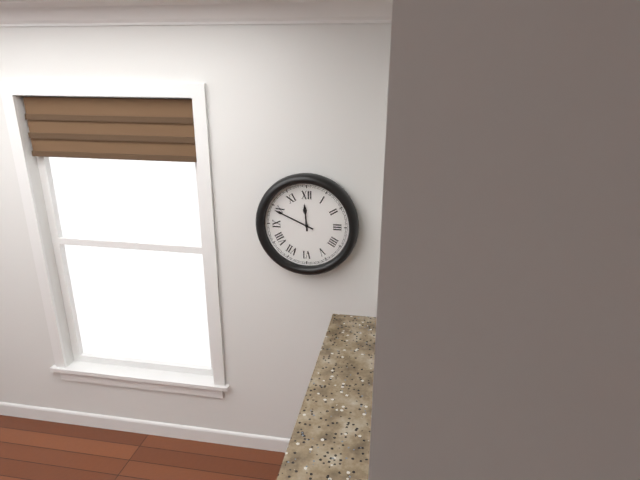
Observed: 11 h 49 min
